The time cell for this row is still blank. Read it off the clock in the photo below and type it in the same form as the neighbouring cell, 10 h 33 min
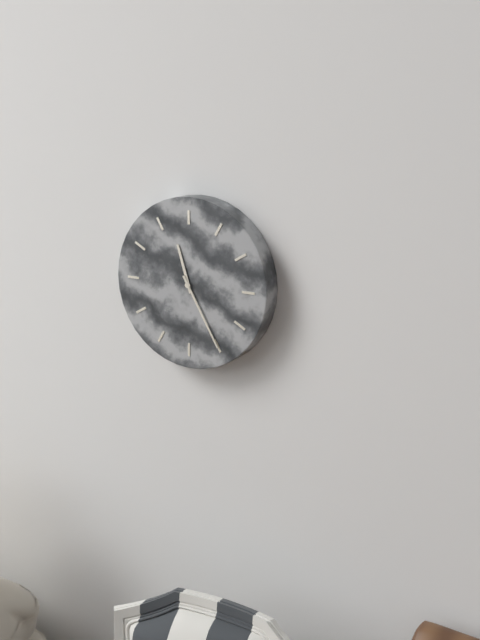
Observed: 11 h 25 min
